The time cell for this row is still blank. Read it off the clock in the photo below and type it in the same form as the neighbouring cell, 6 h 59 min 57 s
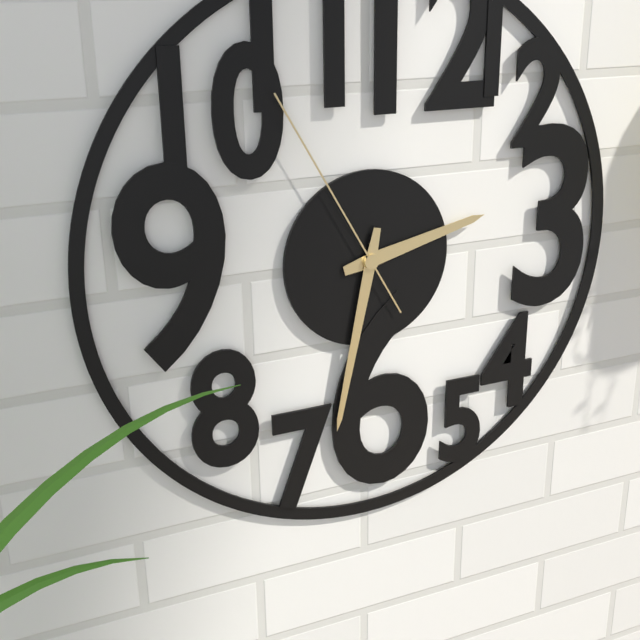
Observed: 2 h 32 min 55 s
